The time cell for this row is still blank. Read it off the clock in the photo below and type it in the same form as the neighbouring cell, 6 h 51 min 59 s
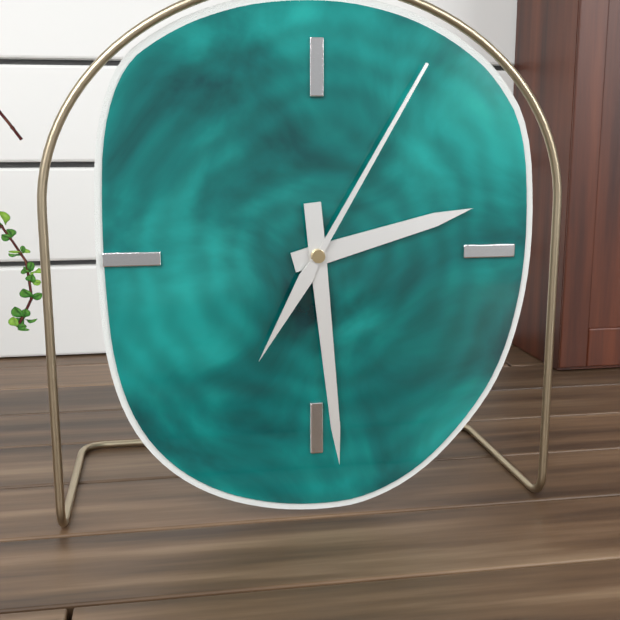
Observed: 2 h 29 min 05 s
